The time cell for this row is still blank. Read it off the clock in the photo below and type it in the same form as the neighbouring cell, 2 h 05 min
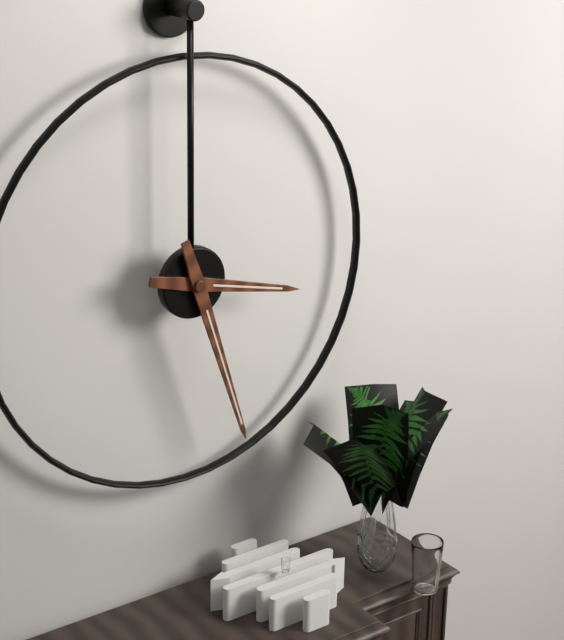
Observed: 3 h 27 min
